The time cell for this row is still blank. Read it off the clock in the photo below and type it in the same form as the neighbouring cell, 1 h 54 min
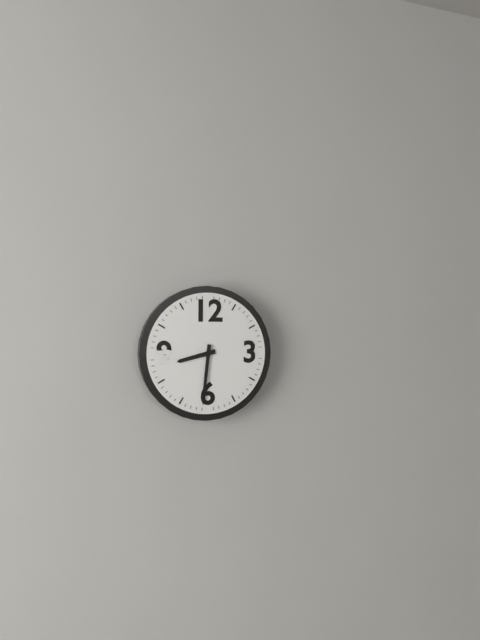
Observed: 8 h 31 min
